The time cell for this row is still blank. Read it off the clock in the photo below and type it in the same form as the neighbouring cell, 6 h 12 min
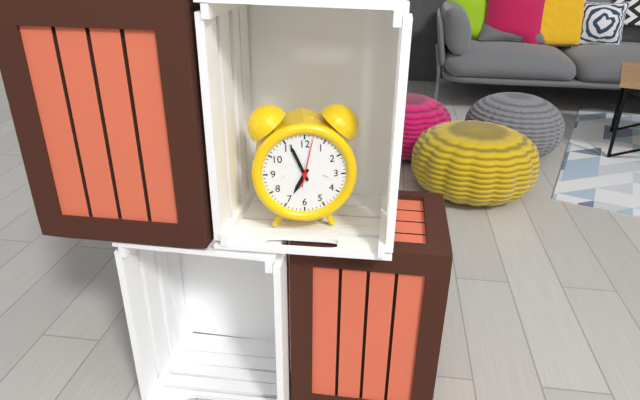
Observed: 6 h 56 min
